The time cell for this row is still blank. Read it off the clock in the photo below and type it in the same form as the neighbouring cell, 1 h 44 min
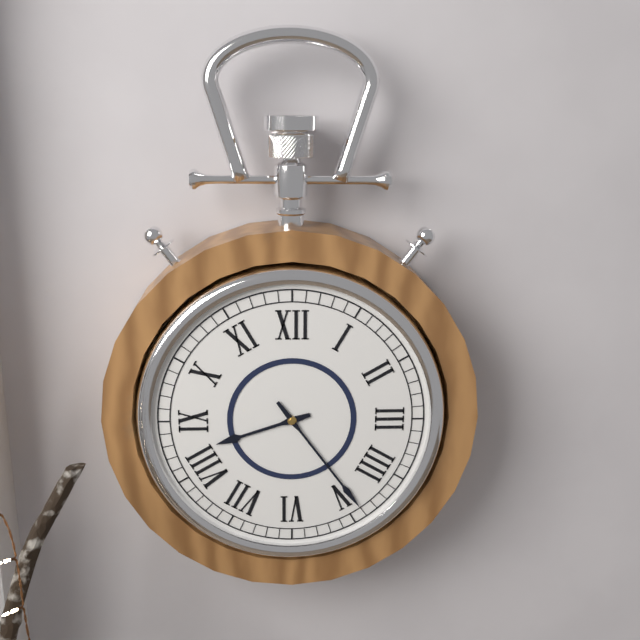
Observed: 8 h 24 min
